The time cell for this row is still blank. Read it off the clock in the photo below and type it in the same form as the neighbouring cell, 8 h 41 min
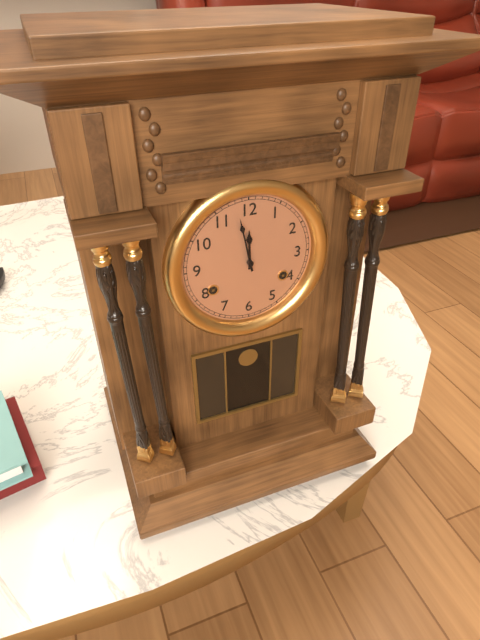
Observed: 11 h 58 min
